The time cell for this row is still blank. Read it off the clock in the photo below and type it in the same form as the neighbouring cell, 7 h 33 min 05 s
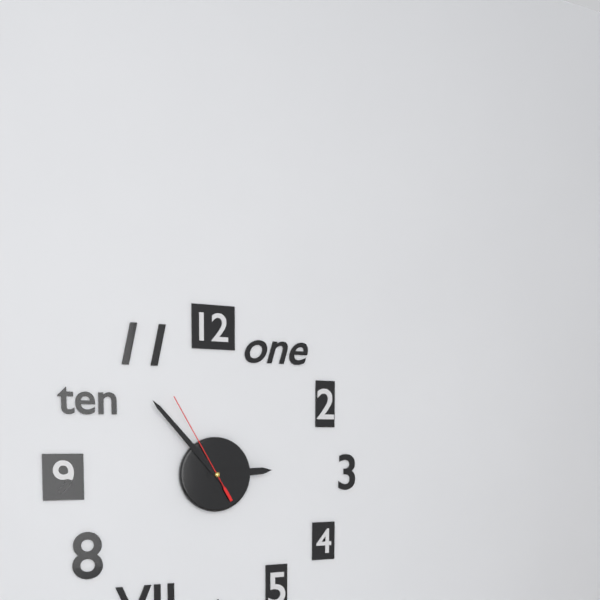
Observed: 2 h 53 min 55 s
